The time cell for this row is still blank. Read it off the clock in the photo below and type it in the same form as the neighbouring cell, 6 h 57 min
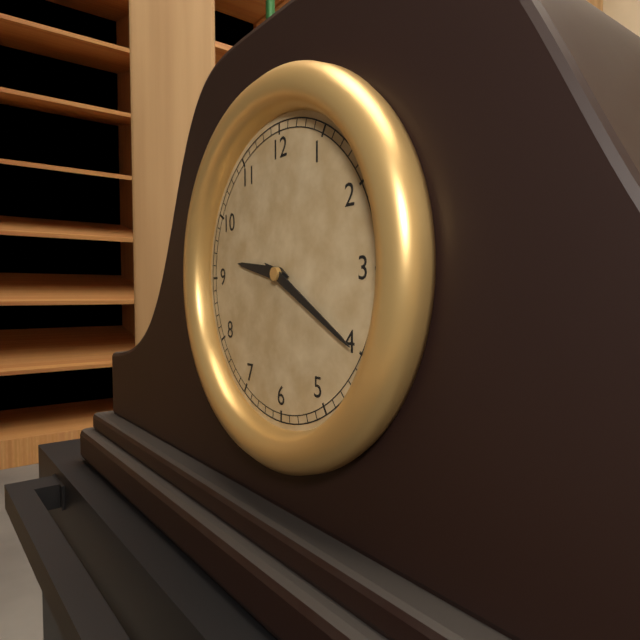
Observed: 9 h 20 min
